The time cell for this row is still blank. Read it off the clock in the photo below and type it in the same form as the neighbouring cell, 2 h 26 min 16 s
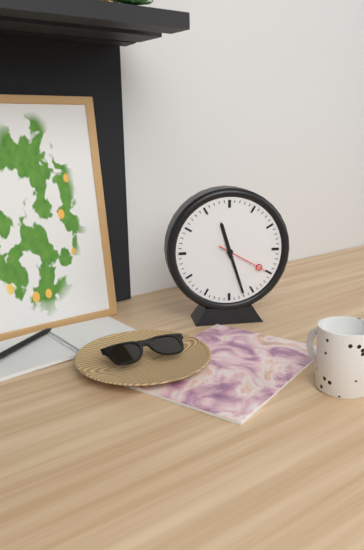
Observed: 11 h 27 min 20 s
